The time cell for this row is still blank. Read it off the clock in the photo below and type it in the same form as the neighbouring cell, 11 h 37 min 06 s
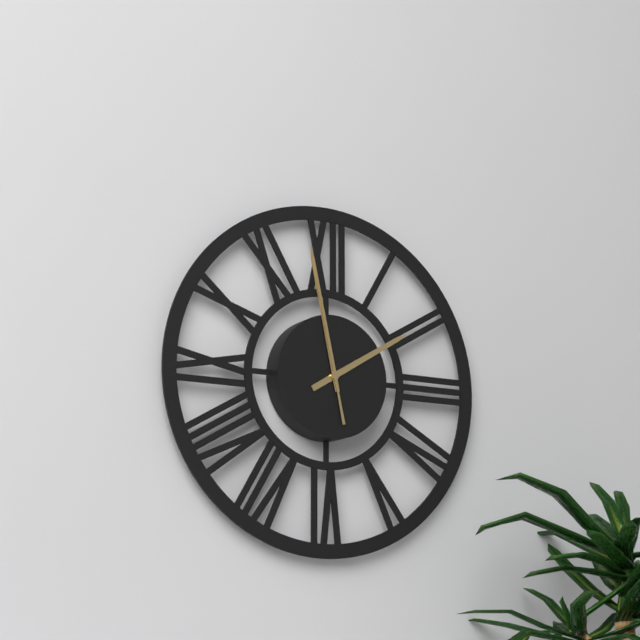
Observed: 1 h 58 min 58 s
